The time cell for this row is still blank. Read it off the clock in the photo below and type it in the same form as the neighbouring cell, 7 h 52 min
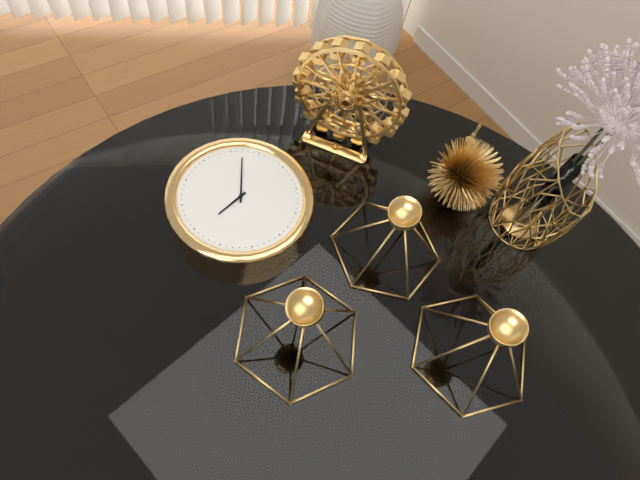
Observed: 5 h 52 min
